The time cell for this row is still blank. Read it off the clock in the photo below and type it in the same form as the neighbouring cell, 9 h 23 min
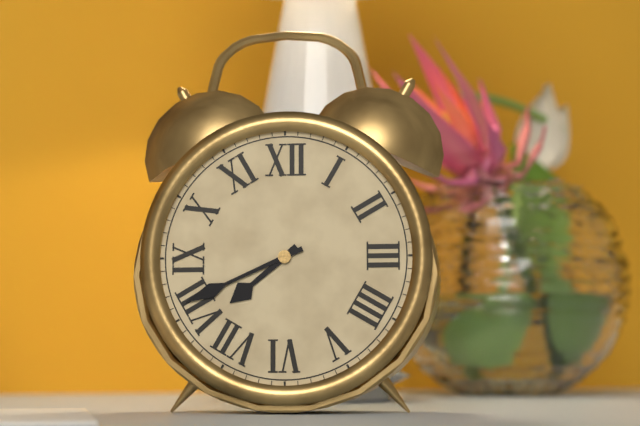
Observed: 7 h 41 min
